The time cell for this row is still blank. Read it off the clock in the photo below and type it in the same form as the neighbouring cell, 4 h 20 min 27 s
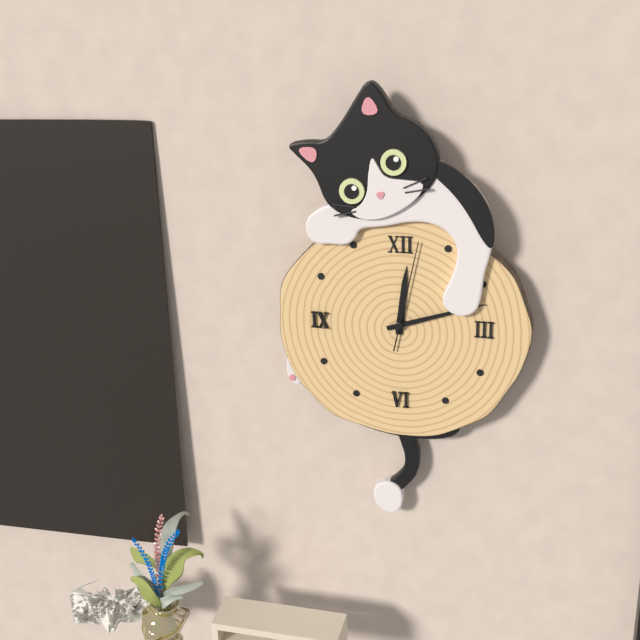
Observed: 12 h 12 min 02 s
